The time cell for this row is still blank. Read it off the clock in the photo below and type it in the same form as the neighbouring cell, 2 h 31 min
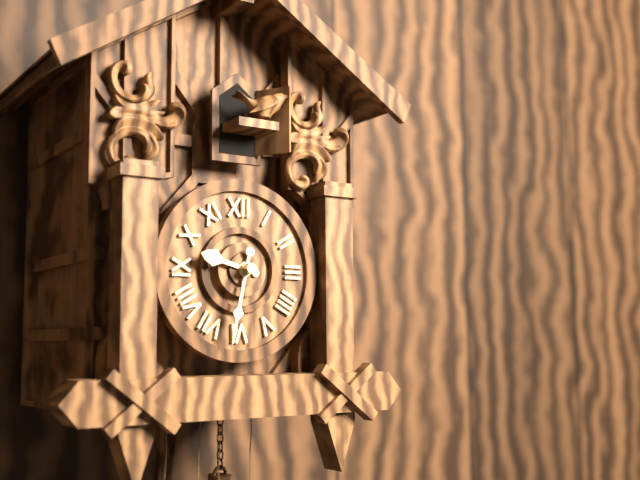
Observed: 9 h 32 min
